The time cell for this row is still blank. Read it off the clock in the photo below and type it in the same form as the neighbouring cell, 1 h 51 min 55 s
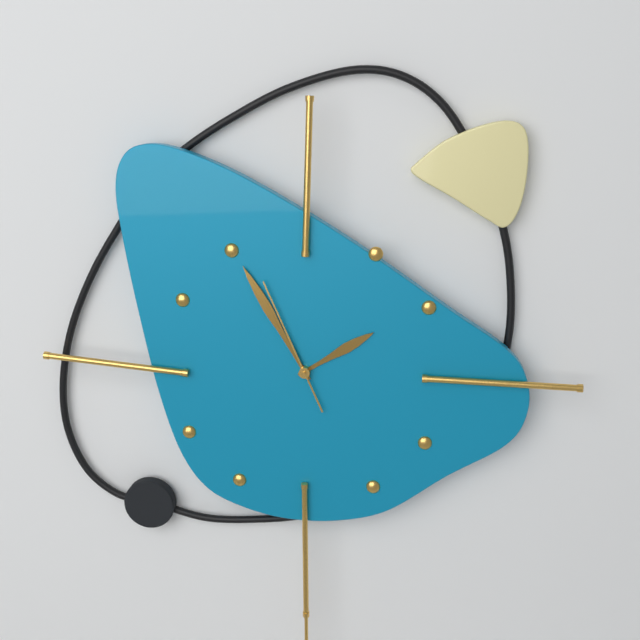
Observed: 1 h 55 min 56 s
